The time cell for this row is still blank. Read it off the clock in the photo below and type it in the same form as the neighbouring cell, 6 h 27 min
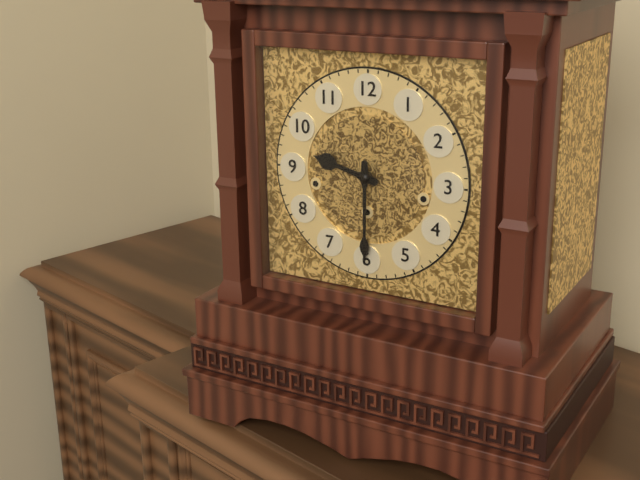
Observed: 9 h 30 min
